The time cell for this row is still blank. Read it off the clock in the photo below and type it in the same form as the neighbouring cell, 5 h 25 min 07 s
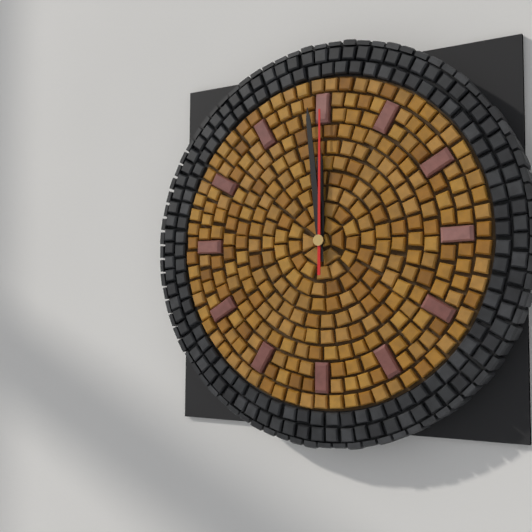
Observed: 11 h 59 min 00 s
